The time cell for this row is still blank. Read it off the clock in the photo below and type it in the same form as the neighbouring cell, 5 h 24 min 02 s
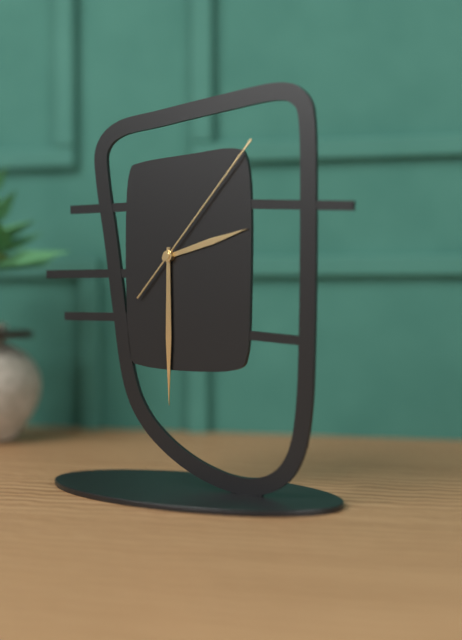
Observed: 2 h 30 min 07 s
